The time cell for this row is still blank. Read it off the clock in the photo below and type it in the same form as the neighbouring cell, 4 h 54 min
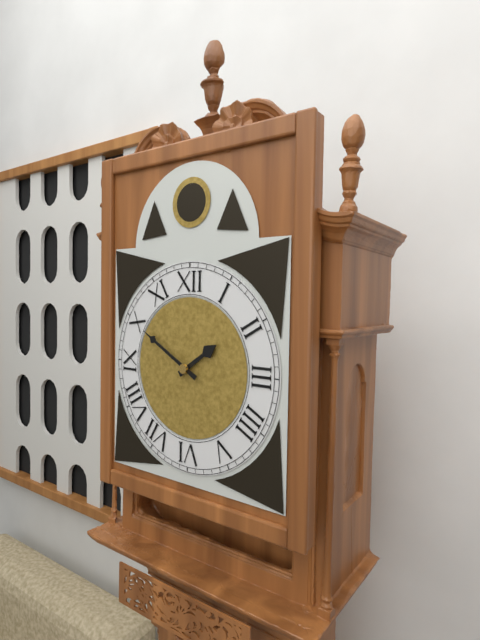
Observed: 1 h 50 min
